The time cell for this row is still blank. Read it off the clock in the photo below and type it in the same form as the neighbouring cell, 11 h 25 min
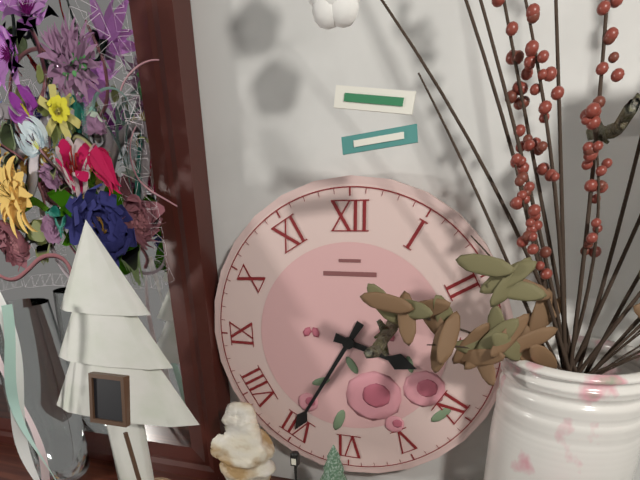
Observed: 3 h 35 min
